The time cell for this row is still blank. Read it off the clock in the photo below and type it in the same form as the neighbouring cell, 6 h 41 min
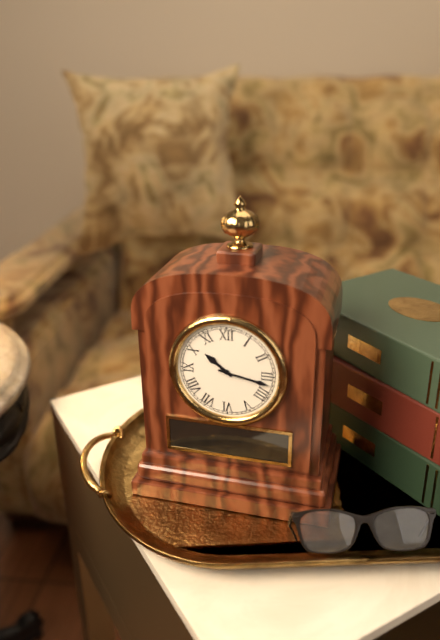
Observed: 10 h 17 min
